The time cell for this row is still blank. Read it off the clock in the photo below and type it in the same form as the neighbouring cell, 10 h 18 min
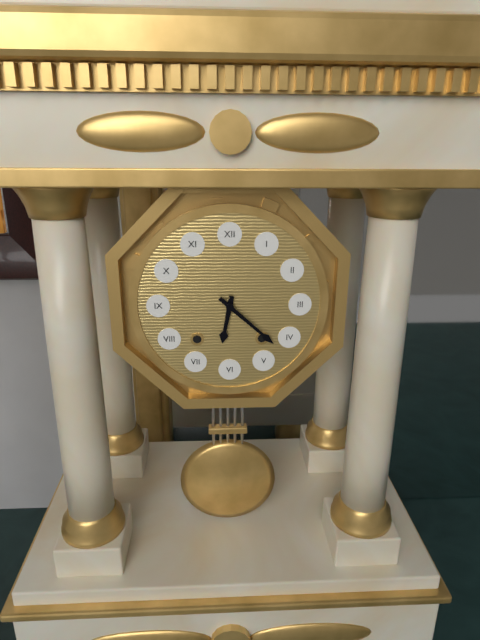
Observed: 6 h 22 min
